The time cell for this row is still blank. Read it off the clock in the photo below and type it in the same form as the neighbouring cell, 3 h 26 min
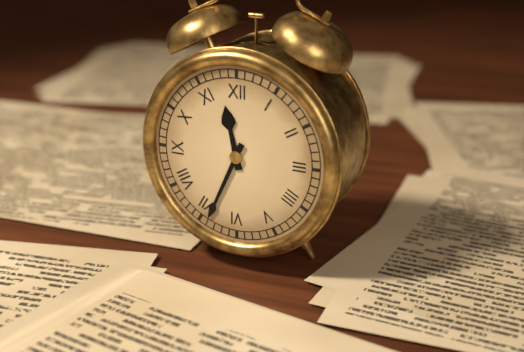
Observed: 11 h 34 min
